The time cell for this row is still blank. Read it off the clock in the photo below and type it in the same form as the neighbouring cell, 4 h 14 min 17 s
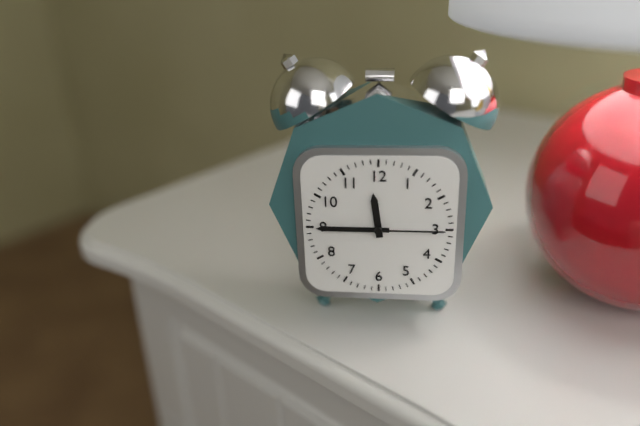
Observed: 11 h 45 min 15 s
